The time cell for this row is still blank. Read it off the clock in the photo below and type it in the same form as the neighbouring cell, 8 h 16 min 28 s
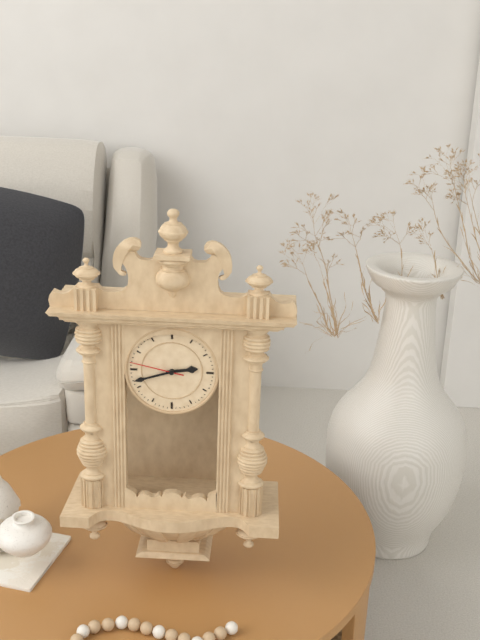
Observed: 2 h 42 min 47 s
